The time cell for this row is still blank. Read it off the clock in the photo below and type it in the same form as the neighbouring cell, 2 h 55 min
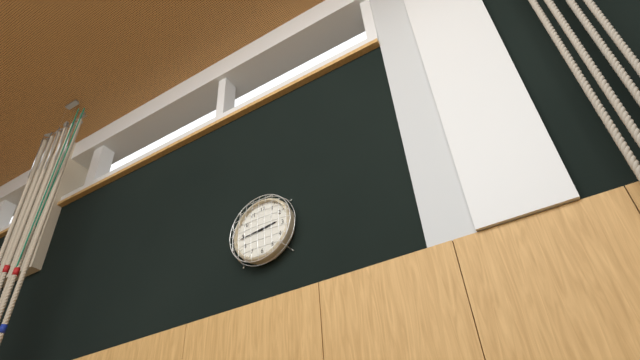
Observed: 2 h 44 min
